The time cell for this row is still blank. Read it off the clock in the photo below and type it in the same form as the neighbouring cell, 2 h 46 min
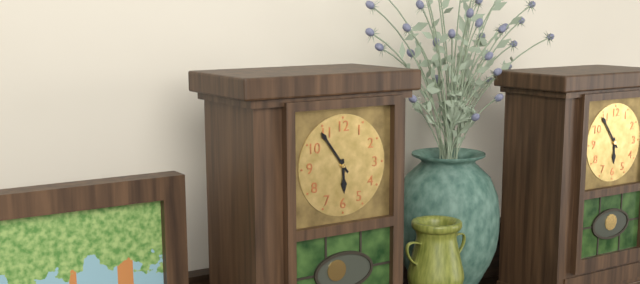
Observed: 5 h 54 min
